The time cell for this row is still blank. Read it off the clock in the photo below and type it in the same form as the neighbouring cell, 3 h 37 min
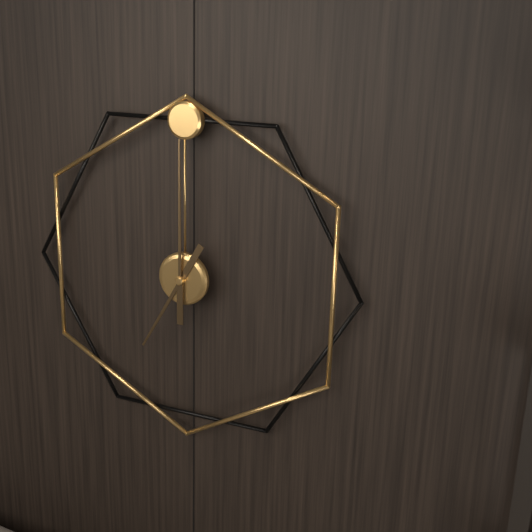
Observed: 7 h 00 min
